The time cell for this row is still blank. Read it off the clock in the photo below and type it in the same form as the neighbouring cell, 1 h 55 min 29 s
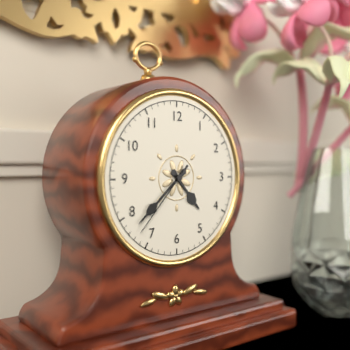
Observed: 4 h 38 min 37 s
